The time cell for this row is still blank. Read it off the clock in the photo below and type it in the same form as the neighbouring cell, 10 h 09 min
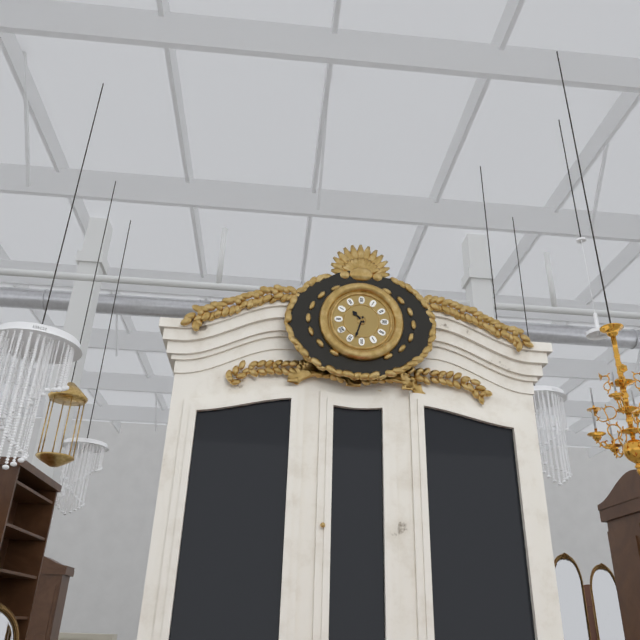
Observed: 10 h 33 min
